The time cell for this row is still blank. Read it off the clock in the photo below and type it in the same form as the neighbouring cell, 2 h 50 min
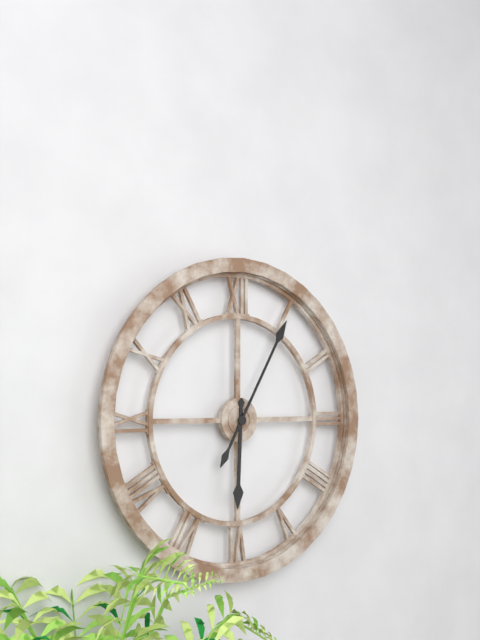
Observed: 6 h 05 min
